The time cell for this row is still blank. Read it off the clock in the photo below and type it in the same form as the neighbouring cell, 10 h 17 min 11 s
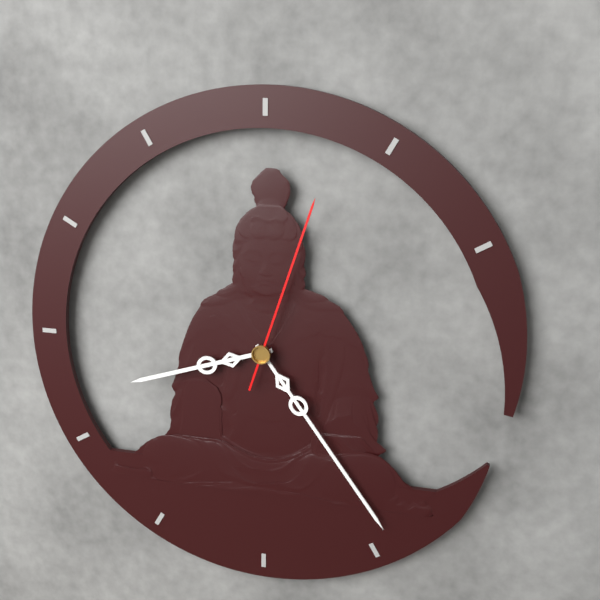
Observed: 8 h 24 min 03 s
